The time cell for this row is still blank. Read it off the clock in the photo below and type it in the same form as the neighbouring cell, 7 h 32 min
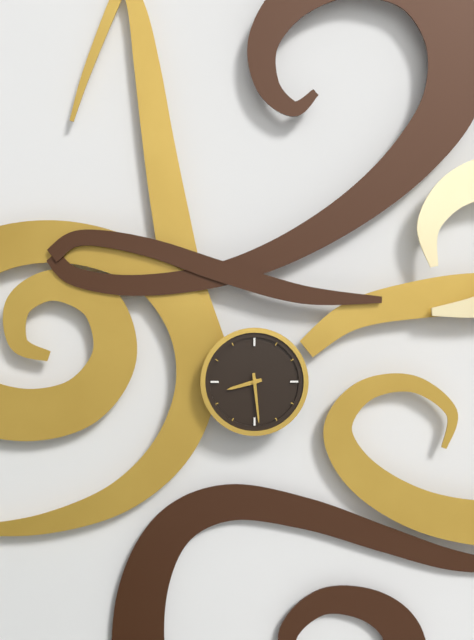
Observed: 8 h 29 min
